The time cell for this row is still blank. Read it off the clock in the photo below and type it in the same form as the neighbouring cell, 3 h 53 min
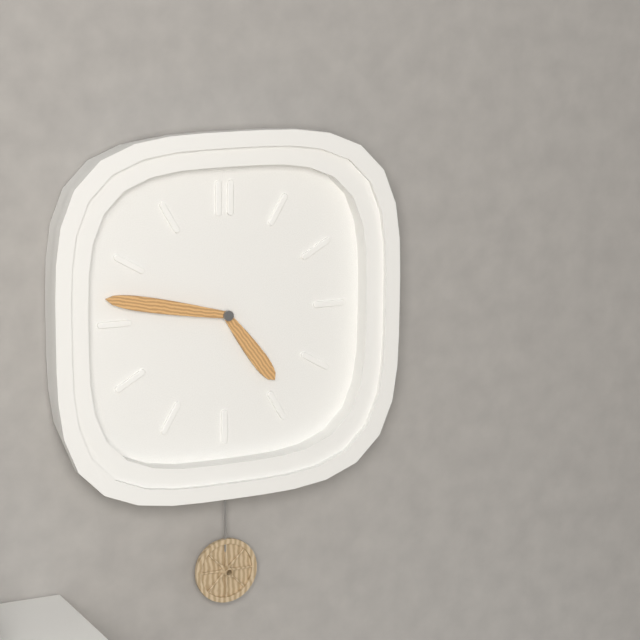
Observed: 4 h 47 min
